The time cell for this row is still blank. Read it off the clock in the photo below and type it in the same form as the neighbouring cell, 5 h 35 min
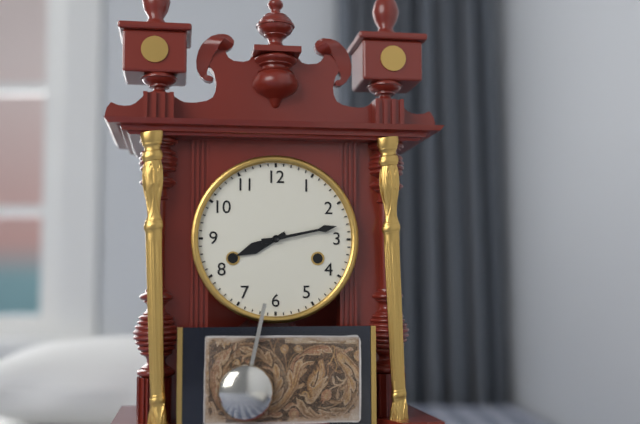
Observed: 8 h 13 min
